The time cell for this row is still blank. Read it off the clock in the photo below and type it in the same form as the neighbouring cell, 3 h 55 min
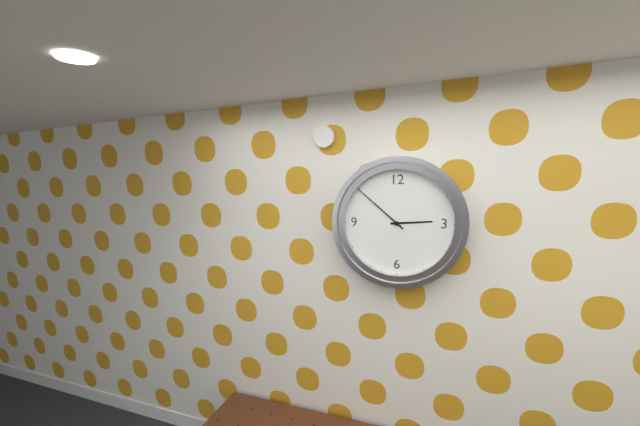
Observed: 2 h 52 min
